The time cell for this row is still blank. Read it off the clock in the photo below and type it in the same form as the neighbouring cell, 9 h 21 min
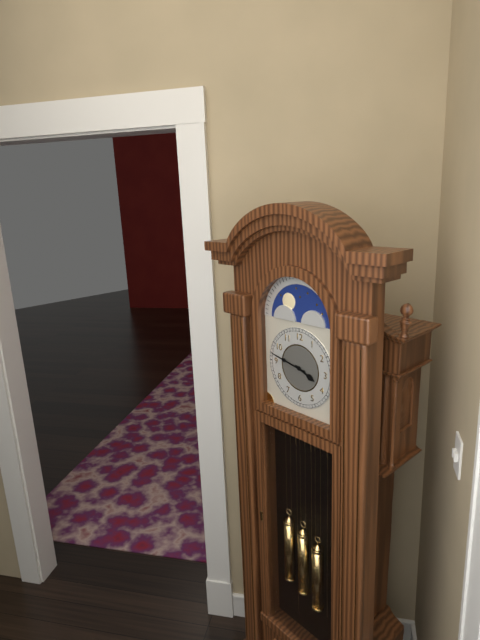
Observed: 3 h 47 min
